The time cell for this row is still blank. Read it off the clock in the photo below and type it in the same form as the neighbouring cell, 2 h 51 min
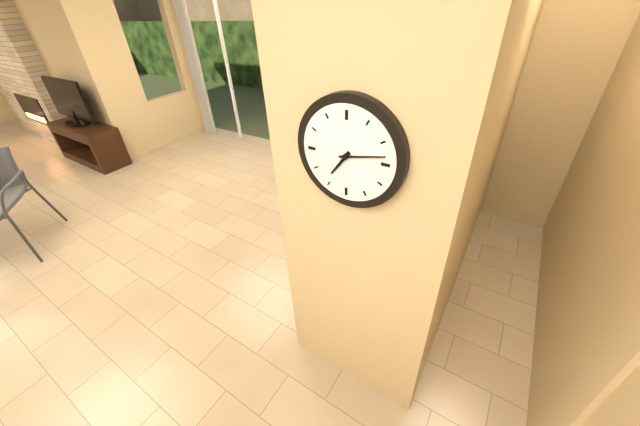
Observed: 7 h 13 min
